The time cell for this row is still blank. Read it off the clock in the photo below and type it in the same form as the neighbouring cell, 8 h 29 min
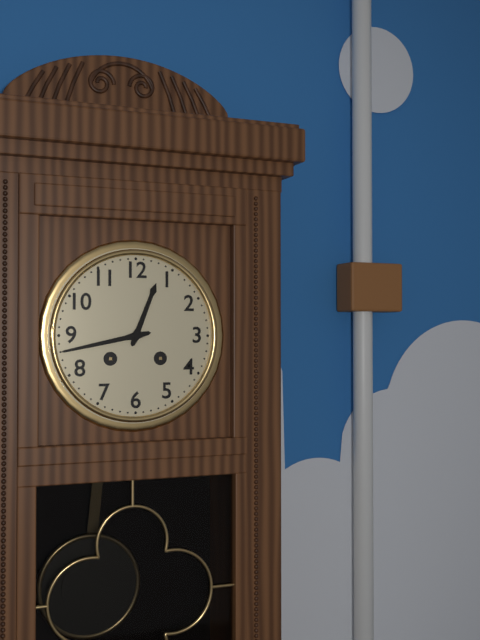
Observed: 12 h 43 min
